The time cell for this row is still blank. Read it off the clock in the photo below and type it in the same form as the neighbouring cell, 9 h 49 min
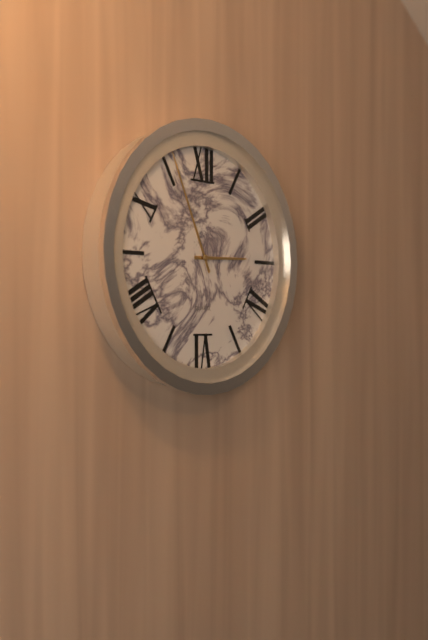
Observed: 2 h 56 min
